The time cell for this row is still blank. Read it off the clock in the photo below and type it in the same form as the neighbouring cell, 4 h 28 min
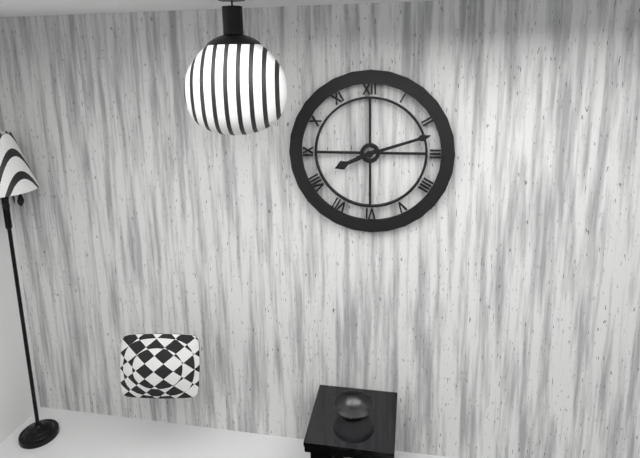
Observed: 8 h 12 min
